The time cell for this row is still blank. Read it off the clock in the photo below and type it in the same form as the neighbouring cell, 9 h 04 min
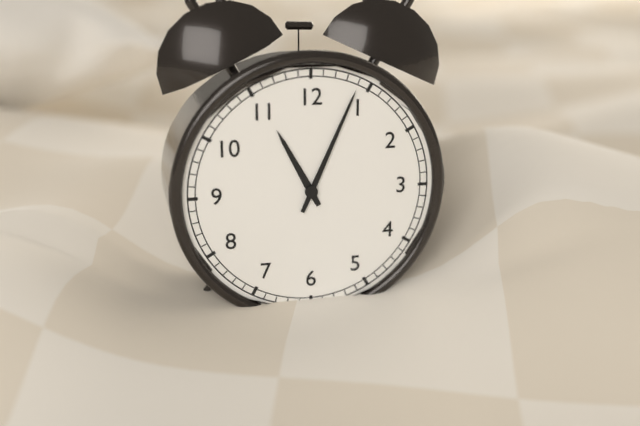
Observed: 11 h 04 min
